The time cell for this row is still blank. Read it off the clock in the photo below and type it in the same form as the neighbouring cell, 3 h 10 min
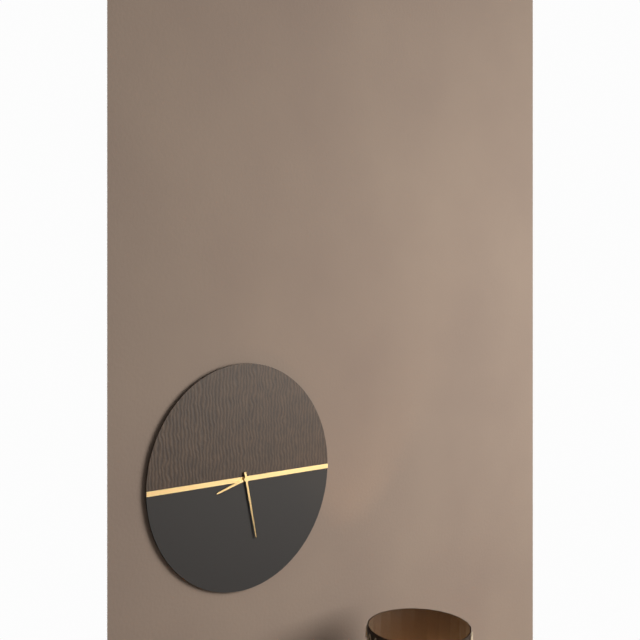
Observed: 8 h 28 min
